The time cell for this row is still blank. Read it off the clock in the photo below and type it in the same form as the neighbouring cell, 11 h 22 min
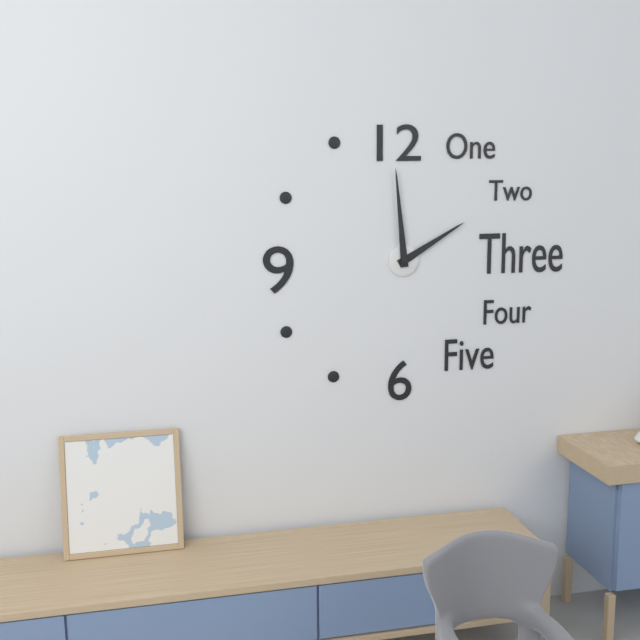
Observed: 1 h 59 min
